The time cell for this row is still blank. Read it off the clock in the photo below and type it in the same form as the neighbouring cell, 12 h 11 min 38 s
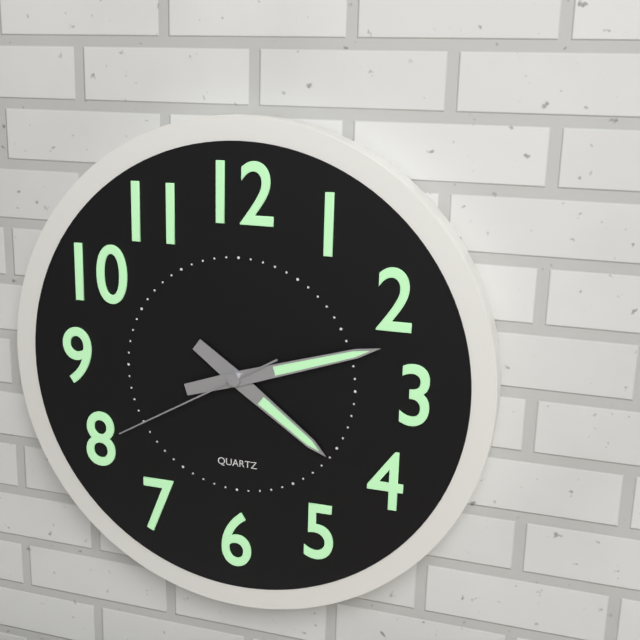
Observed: 4 h 12 min 40 s
